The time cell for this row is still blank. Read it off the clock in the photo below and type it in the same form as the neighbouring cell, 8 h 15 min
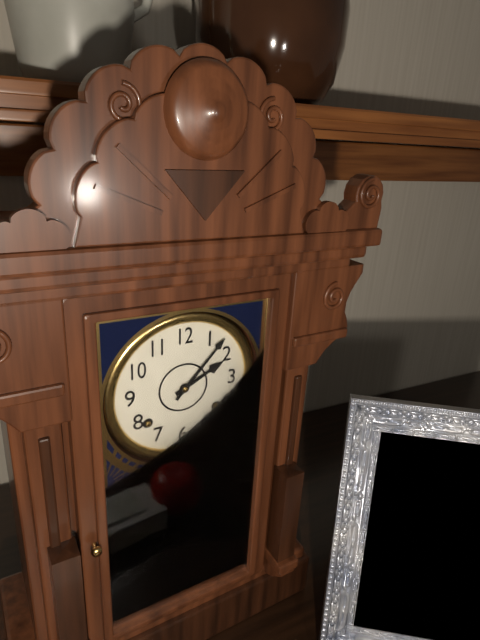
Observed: 2 h 07 min
